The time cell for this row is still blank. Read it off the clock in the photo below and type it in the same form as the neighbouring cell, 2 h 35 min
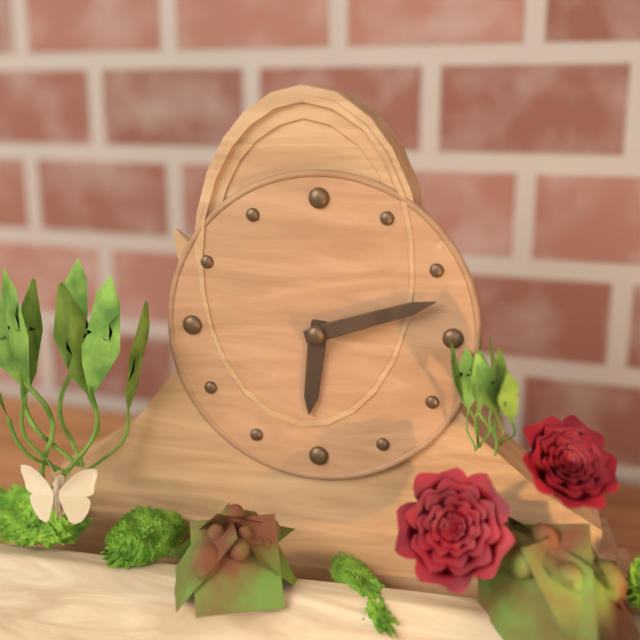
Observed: 6 h 12 min
